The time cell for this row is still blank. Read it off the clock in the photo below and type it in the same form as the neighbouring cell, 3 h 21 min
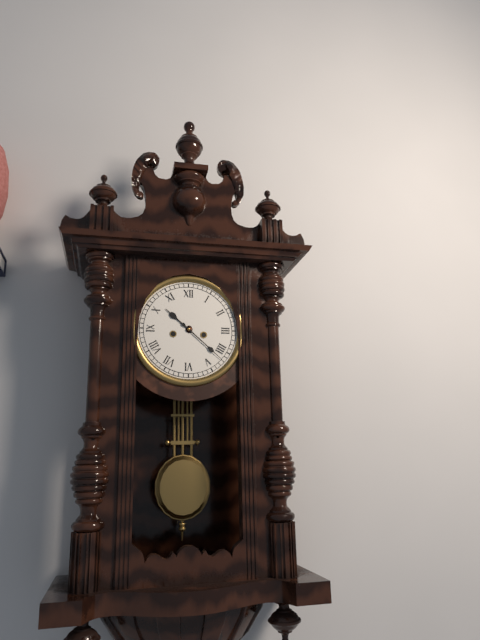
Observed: 10 h 22 min
